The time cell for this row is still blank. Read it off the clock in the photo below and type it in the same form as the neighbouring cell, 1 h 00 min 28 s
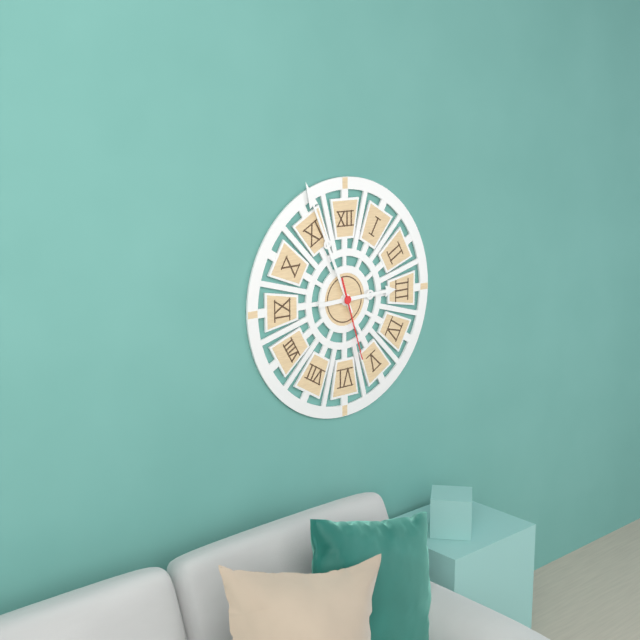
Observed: 2 h 56 min 27 s
